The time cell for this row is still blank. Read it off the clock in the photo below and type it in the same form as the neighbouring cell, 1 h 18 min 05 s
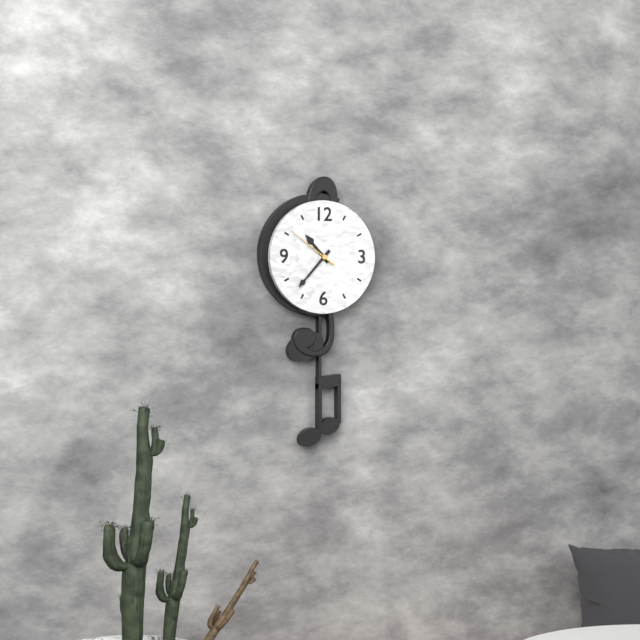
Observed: 10 h 37 min 51 s
